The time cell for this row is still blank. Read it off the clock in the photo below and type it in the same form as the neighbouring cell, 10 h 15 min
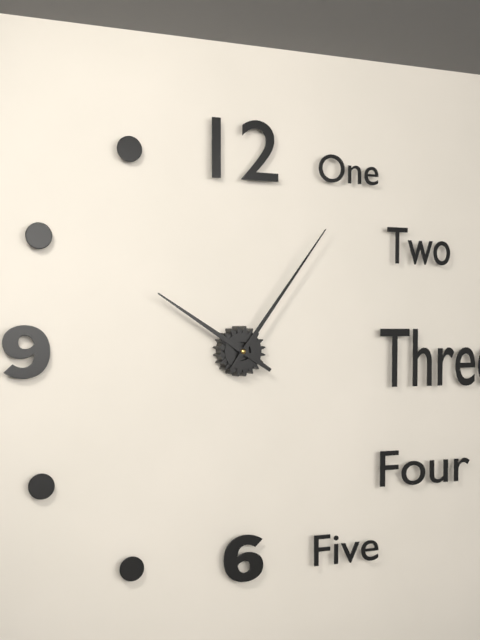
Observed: 10 h 06 min
